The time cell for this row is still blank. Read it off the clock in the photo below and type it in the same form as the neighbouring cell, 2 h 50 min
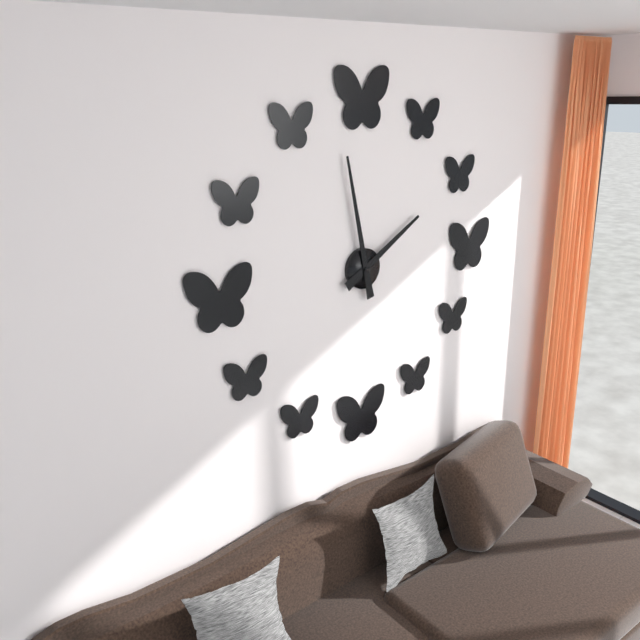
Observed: 1 h 58 min
